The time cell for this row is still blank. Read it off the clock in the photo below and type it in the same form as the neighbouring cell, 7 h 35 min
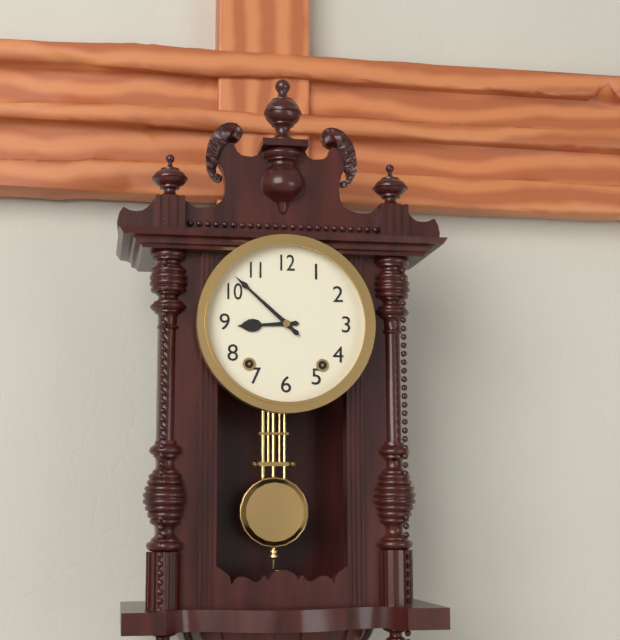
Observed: 8 h 52 min
